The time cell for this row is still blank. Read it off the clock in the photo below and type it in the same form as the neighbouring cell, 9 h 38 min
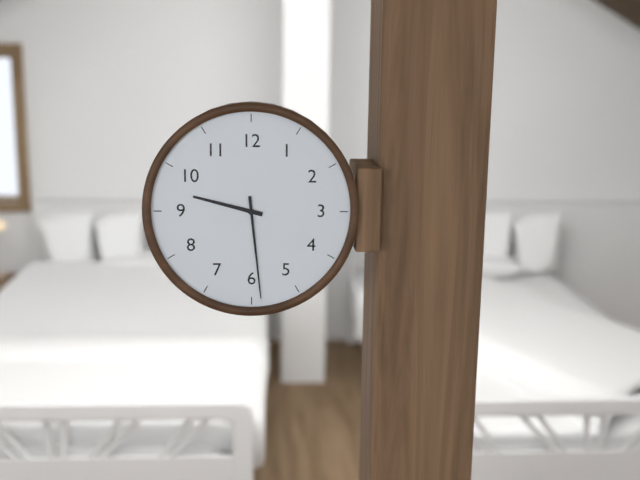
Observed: 9 h 29 min
